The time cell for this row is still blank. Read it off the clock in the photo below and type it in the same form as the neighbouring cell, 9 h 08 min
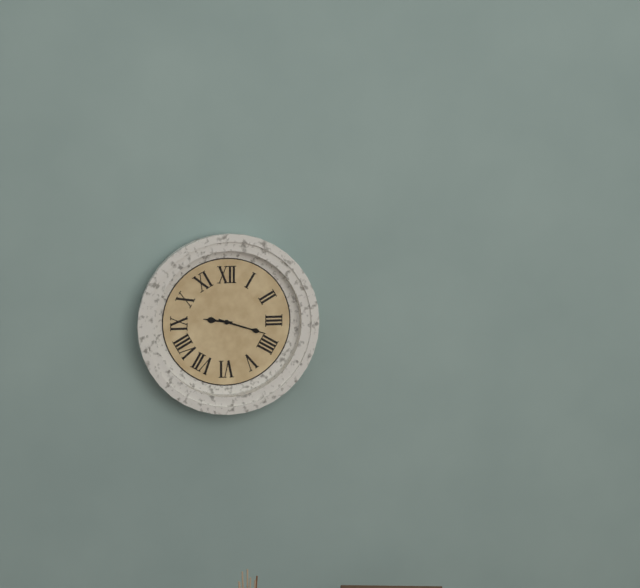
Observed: 9 h 18 min
